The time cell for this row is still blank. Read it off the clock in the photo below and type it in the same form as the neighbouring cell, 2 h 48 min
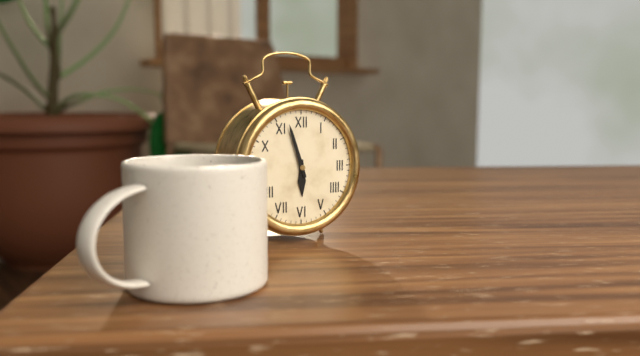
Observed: 5 h 57 min
